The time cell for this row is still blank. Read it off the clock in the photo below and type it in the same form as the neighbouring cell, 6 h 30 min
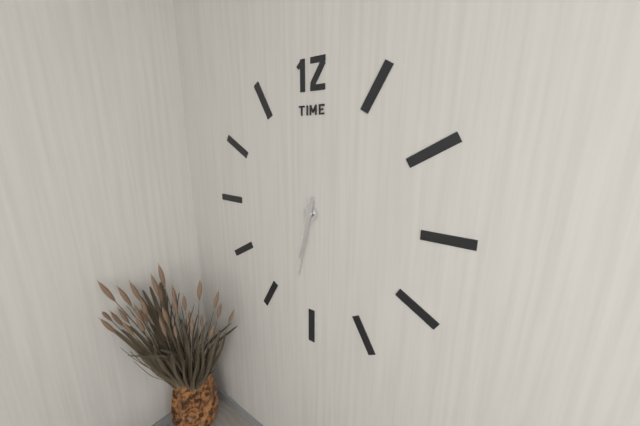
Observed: 6 h 32 min
